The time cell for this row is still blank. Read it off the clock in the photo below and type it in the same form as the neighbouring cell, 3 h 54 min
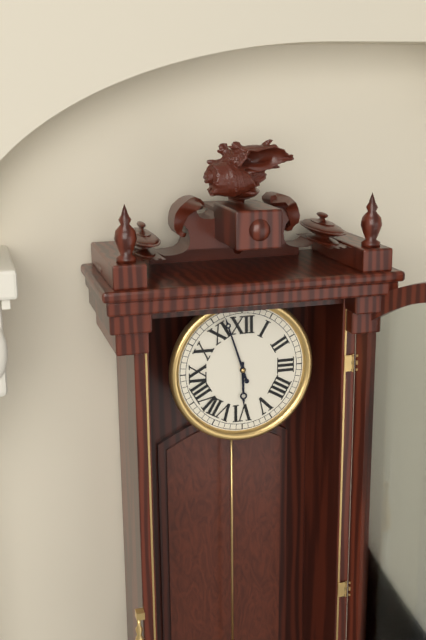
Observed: 5 h 57 min
